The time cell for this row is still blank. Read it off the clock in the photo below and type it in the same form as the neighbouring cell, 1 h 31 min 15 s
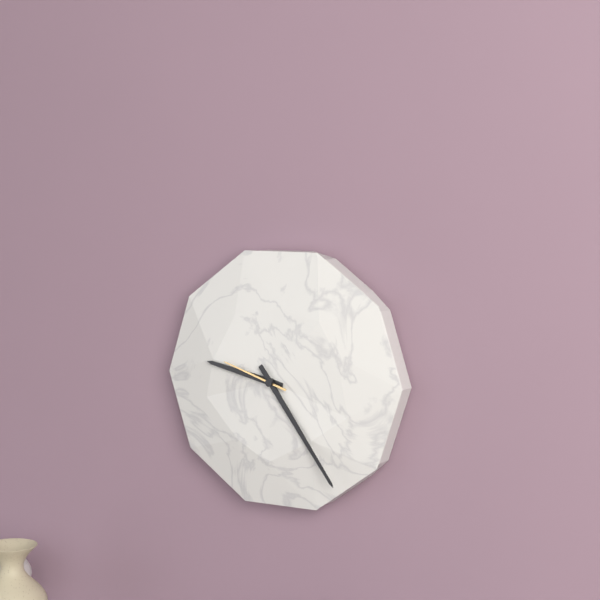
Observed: 9 h 24 min 48 s
